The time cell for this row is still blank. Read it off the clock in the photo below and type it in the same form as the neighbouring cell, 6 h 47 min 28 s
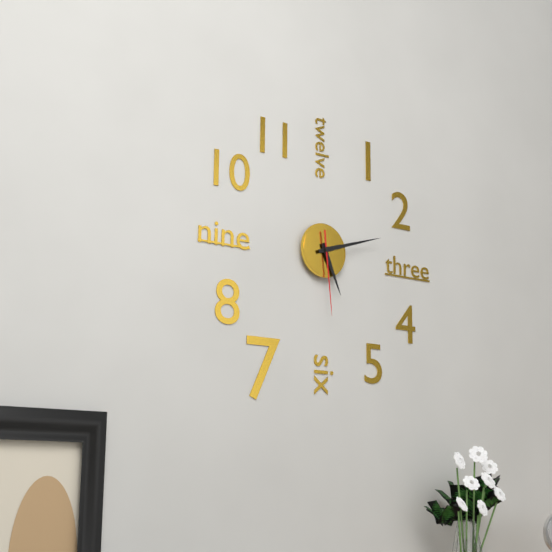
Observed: 5 h 12 min 29 s
